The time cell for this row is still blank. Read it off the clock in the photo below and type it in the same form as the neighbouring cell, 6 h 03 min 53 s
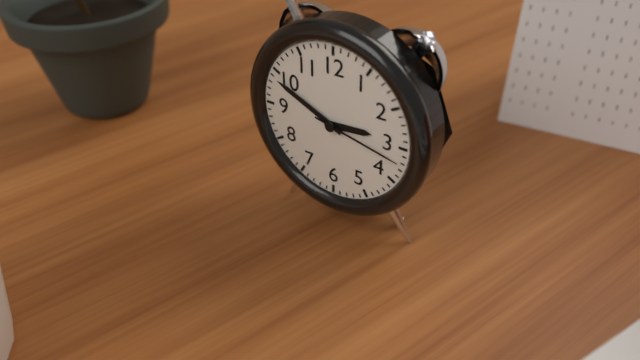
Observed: 2 h 49 min 17 s
